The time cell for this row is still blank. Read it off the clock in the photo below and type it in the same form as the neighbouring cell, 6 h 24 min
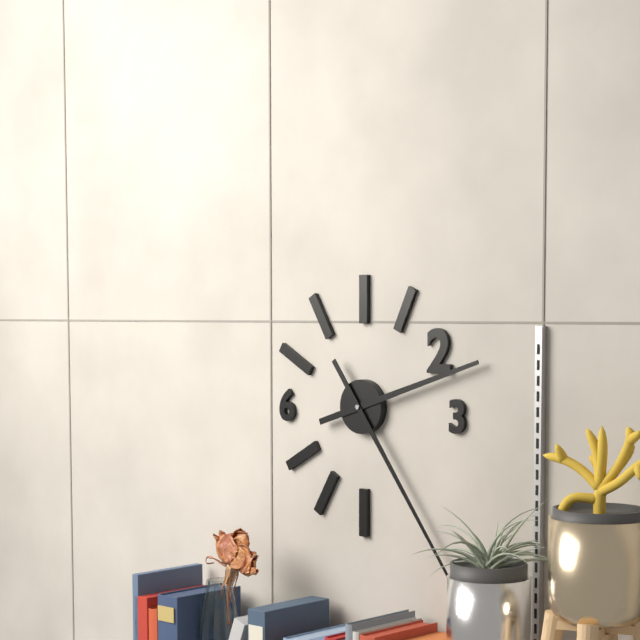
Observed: 2 h 24 min
